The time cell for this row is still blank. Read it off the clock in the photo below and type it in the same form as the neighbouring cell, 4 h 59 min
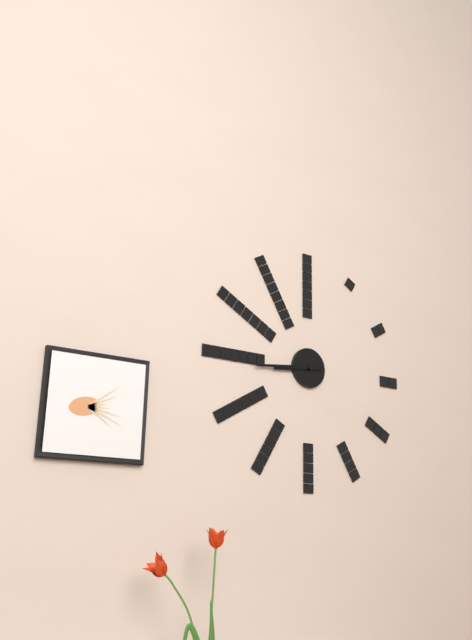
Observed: 8 h 44 min
